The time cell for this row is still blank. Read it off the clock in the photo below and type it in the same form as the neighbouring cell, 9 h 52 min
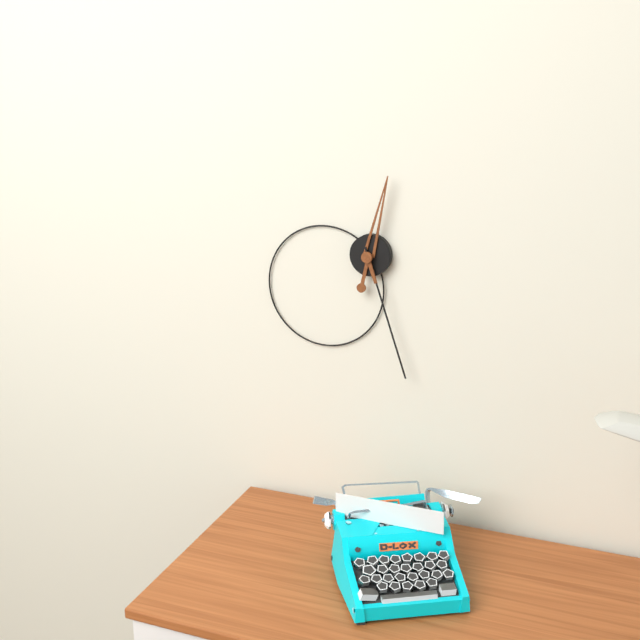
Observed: 12 h 27 min
